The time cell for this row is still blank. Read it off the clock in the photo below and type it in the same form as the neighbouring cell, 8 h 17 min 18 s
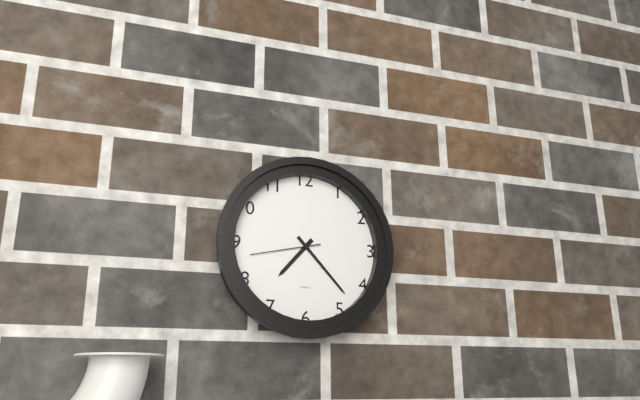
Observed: 7 h 23 min 43 s
